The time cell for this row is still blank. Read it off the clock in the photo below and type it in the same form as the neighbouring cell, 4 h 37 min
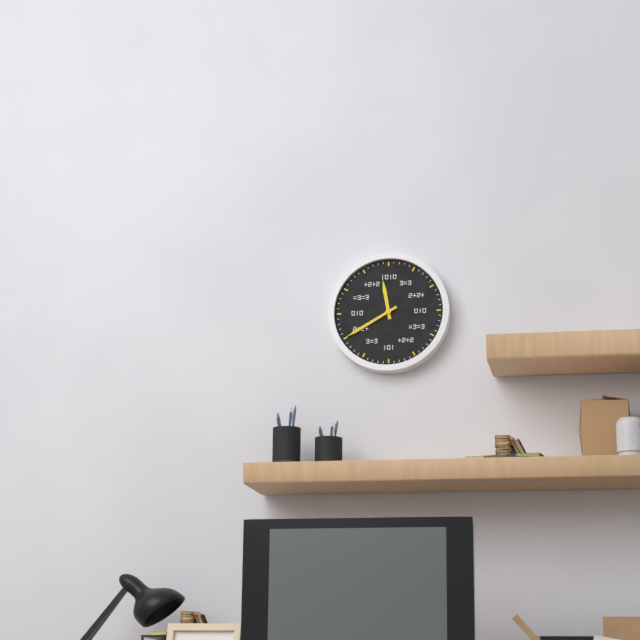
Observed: 11 h 40 min
